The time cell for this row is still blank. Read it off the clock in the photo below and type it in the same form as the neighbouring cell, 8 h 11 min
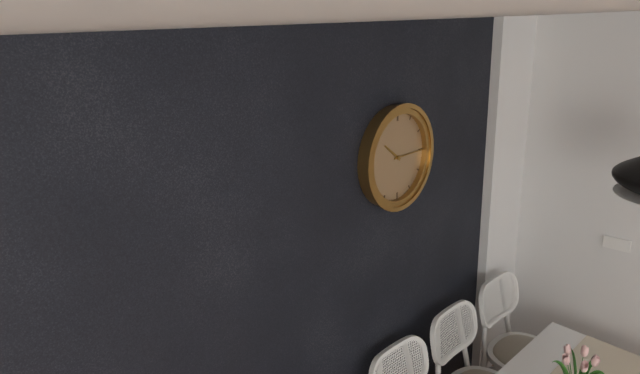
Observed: 10 h 15 min
